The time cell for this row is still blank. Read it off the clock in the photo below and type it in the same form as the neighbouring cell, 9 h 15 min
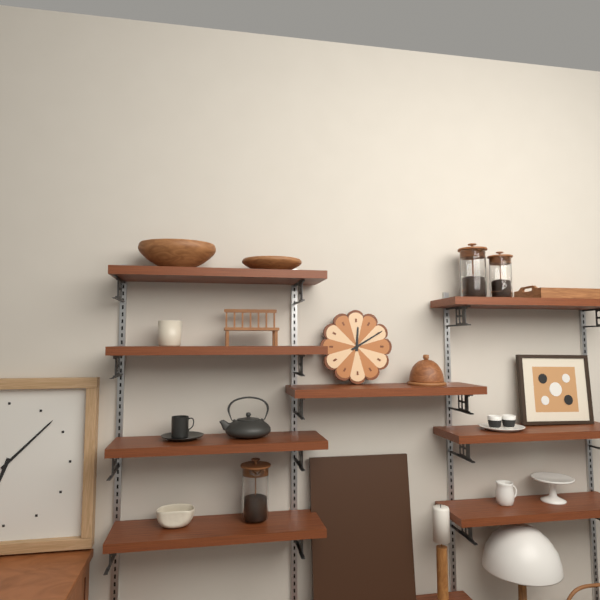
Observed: 12 h 10 min
